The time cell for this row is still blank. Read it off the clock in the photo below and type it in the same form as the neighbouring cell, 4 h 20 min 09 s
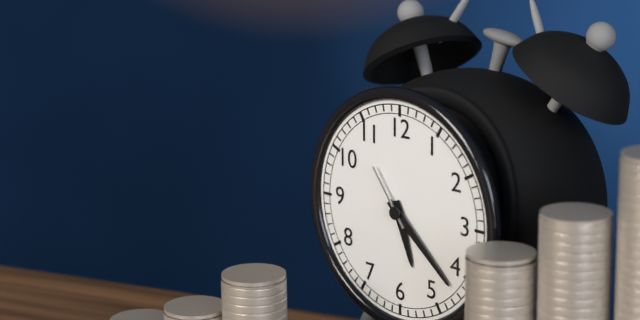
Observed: 5 h 22 min 54 s
